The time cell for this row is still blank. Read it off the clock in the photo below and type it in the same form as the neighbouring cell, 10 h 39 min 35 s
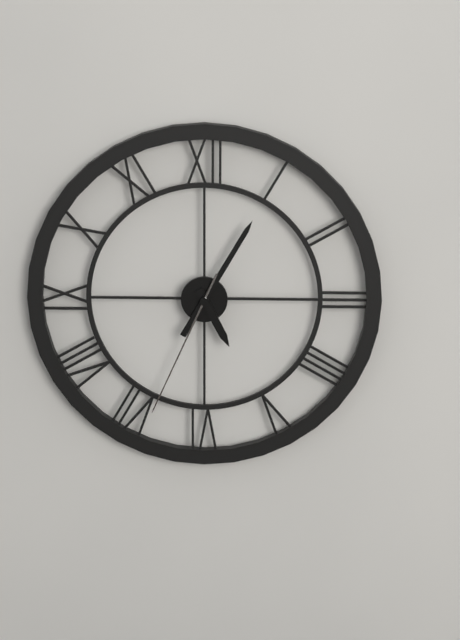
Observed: 5 h 05 min 34 s
